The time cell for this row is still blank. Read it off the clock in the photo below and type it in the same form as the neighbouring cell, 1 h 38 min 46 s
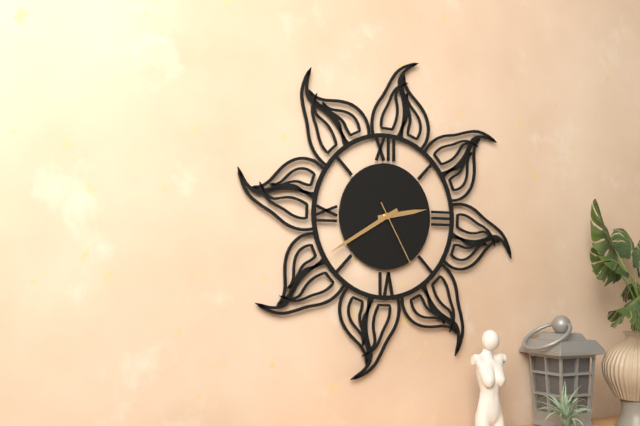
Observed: 2 h 40 min 25 s
